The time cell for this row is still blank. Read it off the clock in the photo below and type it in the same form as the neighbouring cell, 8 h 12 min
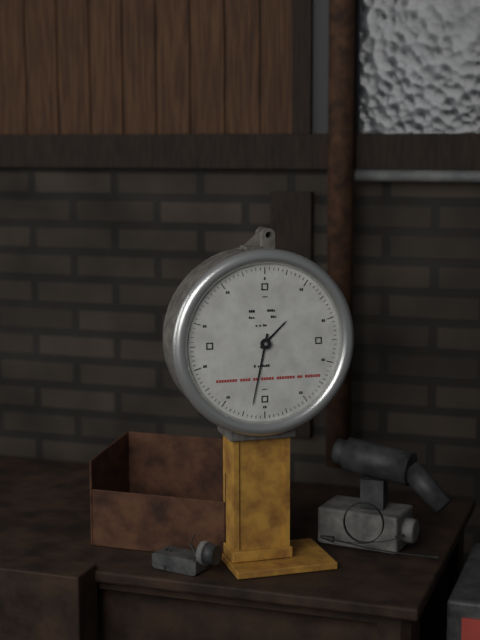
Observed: 1 h 32 min
